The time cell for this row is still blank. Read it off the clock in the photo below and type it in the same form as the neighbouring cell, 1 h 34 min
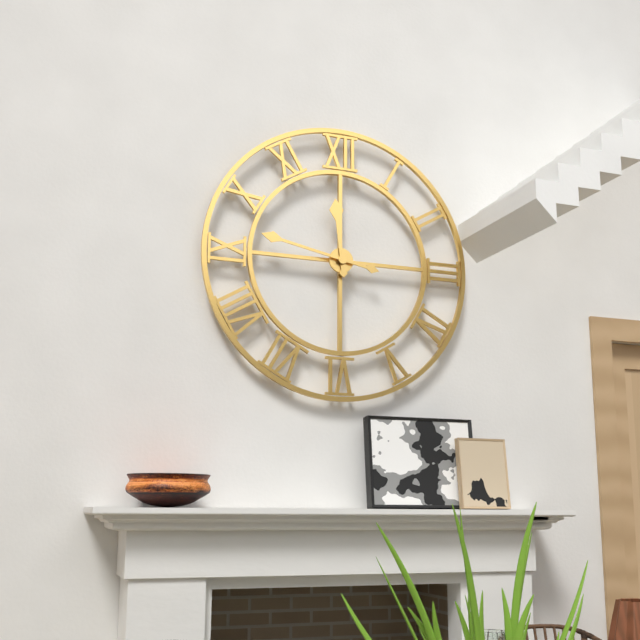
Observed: 11 h 47 min
